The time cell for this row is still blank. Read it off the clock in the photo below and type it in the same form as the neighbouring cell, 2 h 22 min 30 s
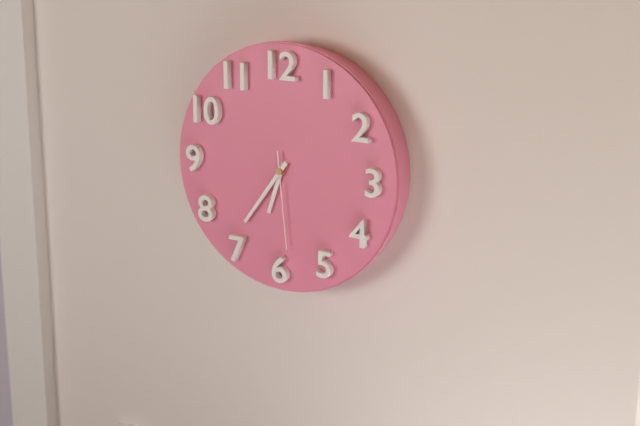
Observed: 6 h 36 min 29 s
